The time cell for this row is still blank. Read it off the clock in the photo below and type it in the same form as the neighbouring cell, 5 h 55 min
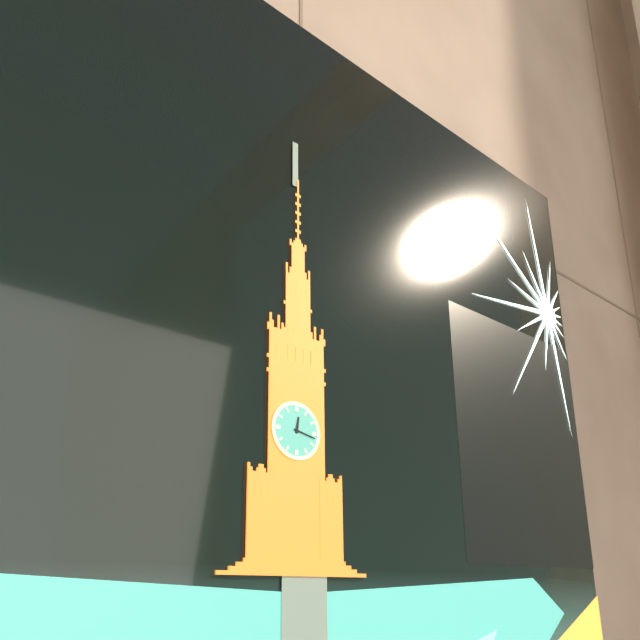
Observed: 12 h 17 min
